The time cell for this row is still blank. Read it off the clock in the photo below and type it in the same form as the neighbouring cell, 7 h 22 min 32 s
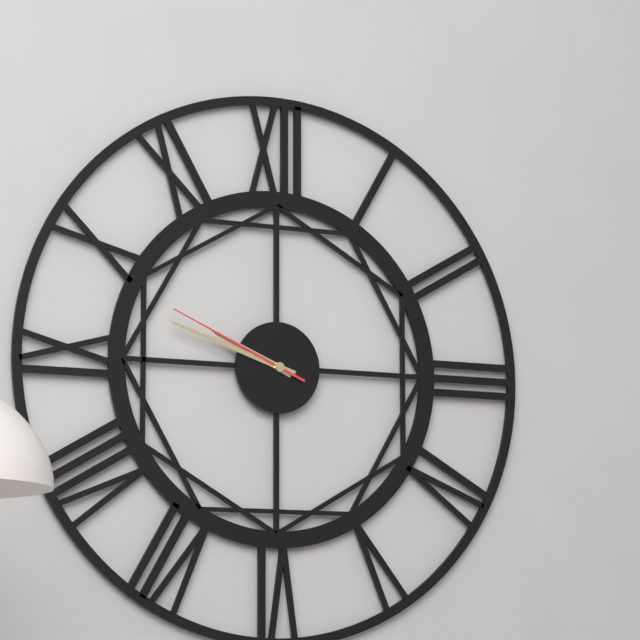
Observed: 9 h 48 min 49 s
